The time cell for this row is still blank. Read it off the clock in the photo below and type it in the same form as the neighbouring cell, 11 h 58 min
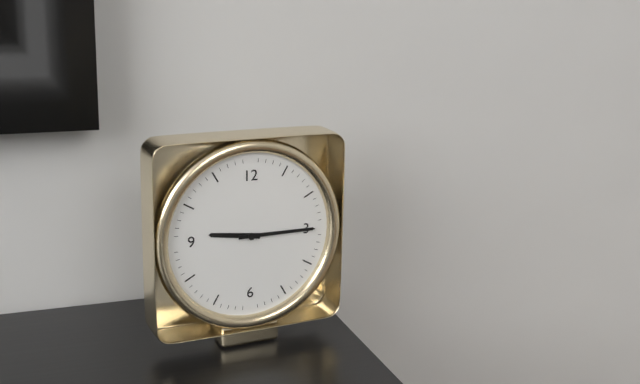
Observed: 9 h 15 min
